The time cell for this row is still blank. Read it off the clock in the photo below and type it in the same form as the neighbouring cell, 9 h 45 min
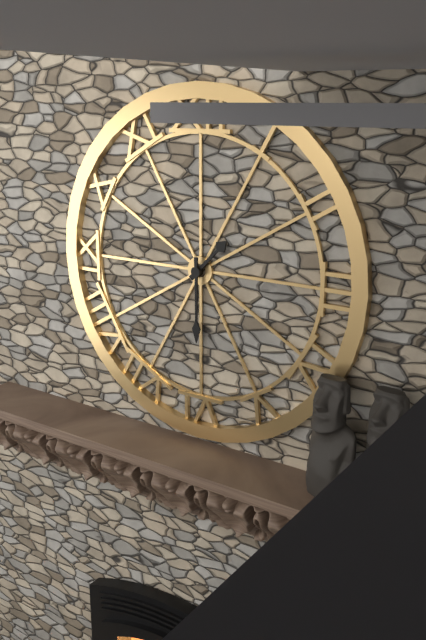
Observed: 1 h 30 min
